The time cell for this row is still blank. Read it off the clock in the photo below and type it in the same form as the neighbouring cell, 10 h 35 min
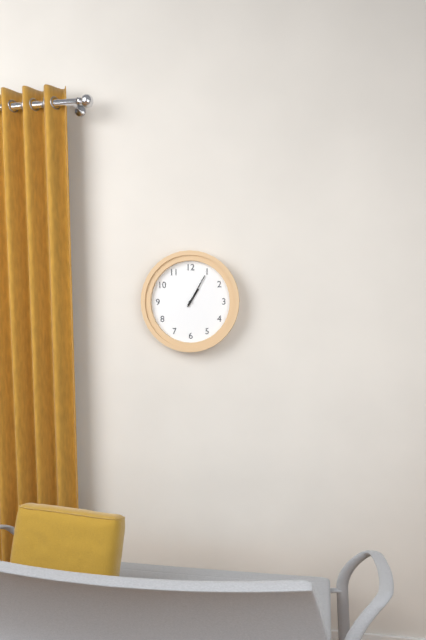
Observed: 1 h 05 min
